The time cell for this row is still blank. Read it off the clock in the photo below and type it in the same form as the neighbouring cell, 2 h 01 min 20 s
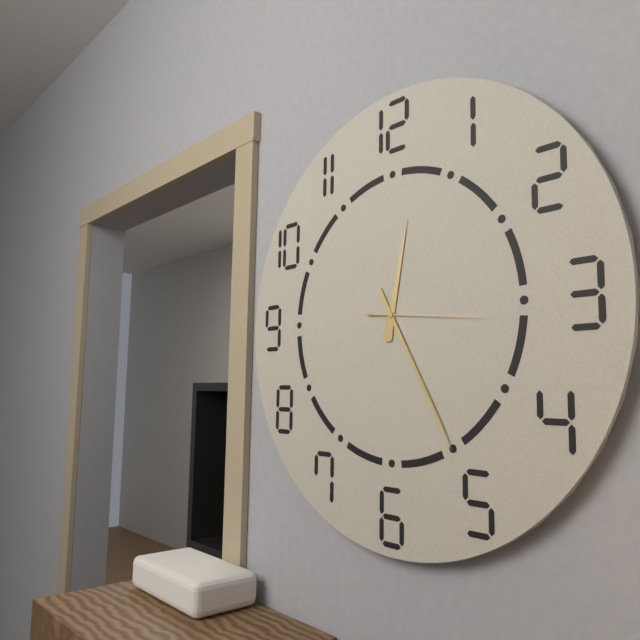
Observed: 12 h 25 min 16 s
